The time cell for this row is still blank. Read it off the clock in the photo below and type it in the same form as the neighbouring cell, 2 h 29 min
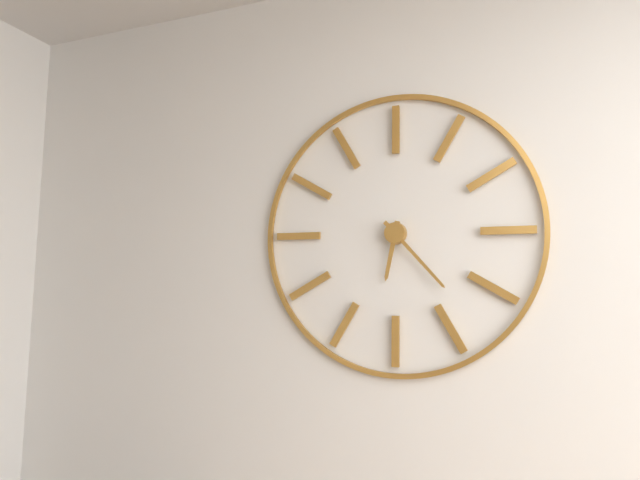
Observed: 6 h 23 min
